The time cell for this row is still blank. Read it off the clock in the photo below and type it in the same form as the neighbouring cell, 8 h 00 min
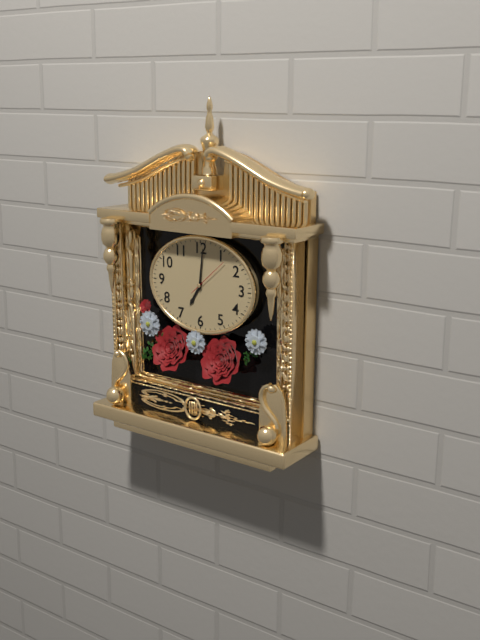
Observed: 7 h 01 min
